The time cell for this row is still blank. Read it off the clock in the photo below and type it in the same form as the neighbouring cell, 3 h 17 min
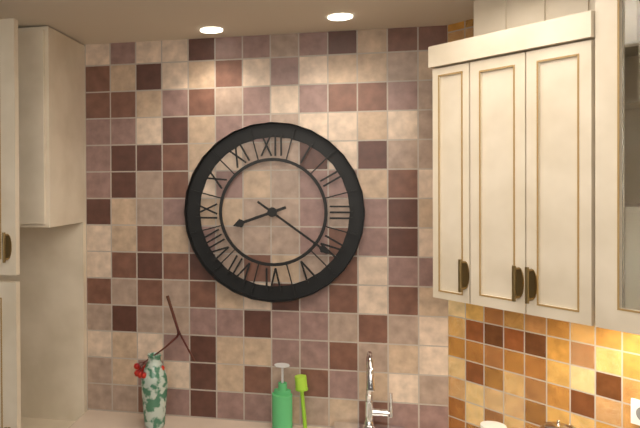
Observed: 8 h 21 min
